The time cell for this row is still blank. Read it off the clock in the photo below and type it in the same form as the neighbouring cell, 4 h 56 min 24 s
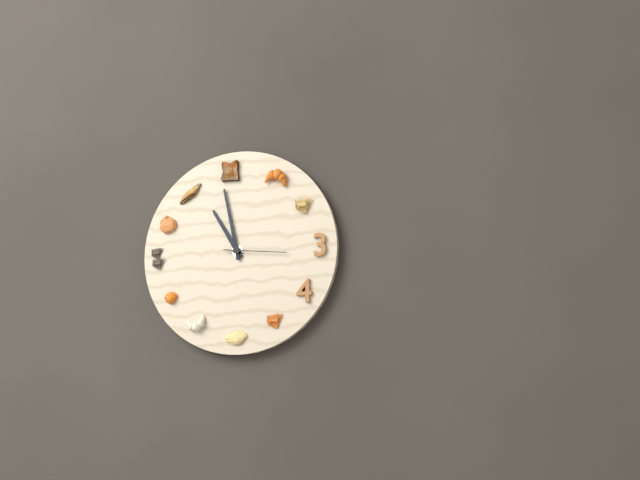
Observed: 10 h 58 min 16 s
